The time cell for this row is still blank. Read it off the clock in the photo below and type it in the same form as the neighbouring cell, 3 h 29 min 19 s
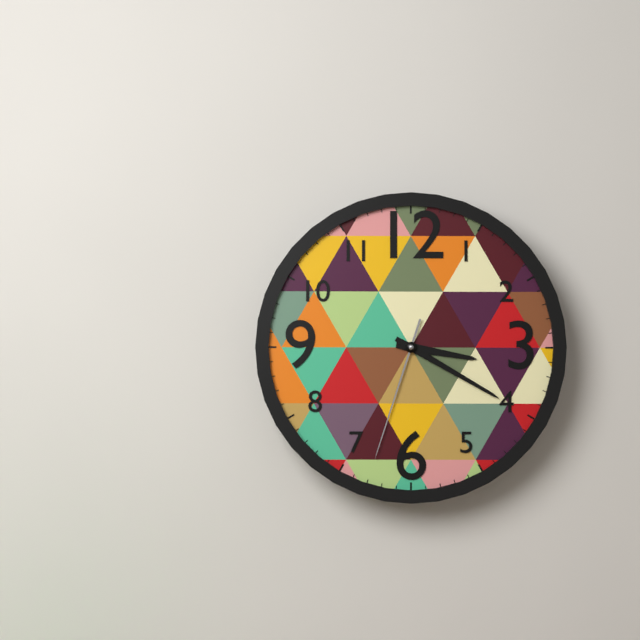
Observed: 3 h 20 min 33 s
